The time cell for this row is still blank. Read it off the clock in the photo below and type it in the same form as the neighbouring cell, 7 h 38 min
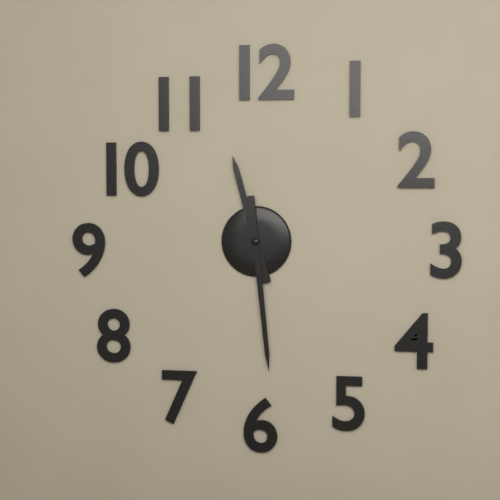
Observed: 11 h 29 min
